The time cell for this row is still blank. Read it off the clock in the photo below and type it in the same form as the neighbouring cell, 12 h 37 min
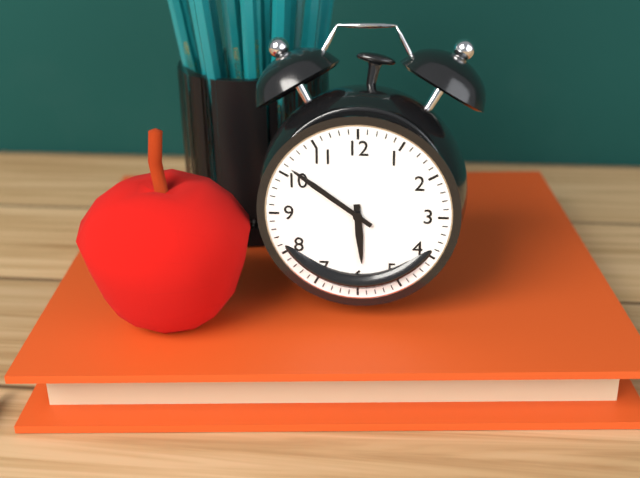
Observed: 5 h 51 min
